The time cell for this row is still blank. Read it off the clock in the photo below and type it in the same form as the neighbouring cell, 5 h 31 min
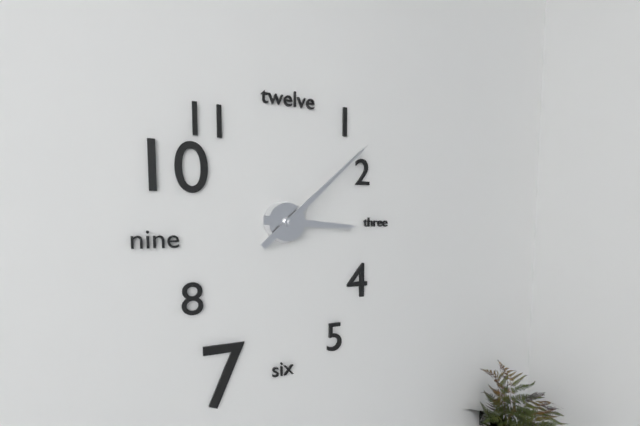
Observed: 3 h 08 min
